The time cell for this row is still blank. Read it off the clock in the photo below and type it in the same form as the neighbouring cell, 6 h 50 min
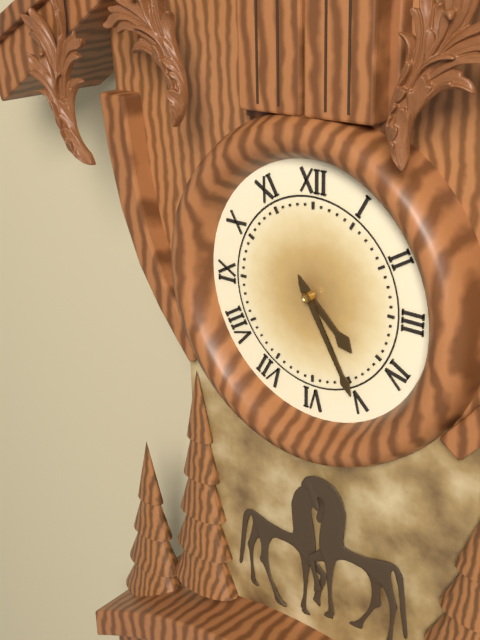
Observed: 4 h 25 min
